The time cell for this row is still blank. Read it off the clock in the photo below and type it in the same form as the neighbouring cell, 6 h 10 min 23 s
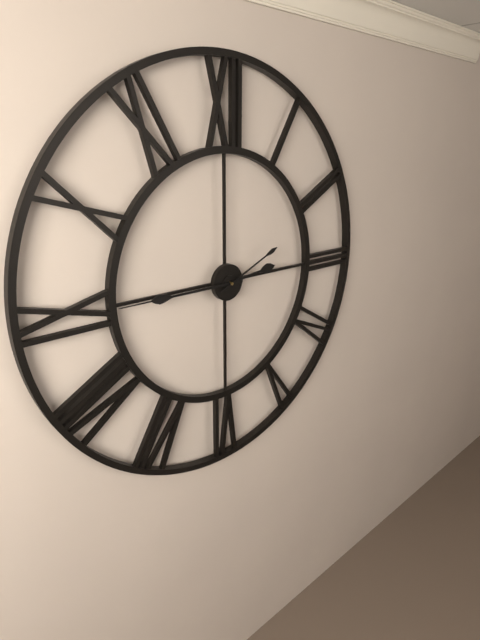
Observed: 2 h 45 min 11 s
